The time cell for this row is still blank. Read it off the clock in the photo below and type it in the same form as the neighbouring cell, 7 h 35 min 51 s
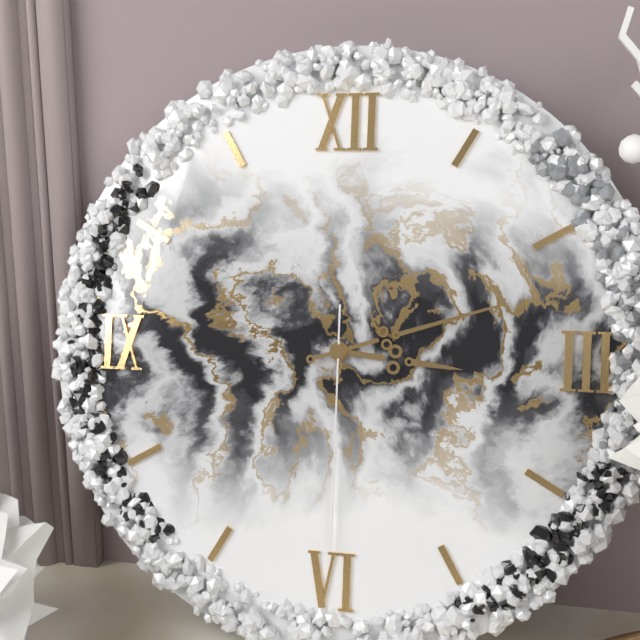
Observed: 3 h 12 min 30 s
